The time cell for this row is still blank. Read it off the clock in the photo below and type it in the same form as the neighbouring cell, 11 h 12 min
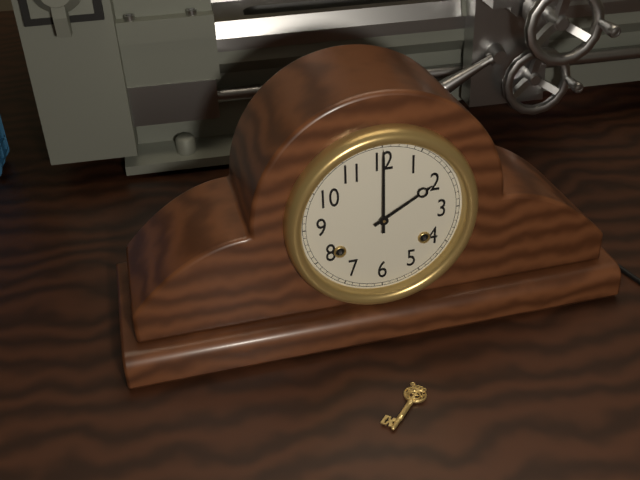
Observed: 2 h 00 min
